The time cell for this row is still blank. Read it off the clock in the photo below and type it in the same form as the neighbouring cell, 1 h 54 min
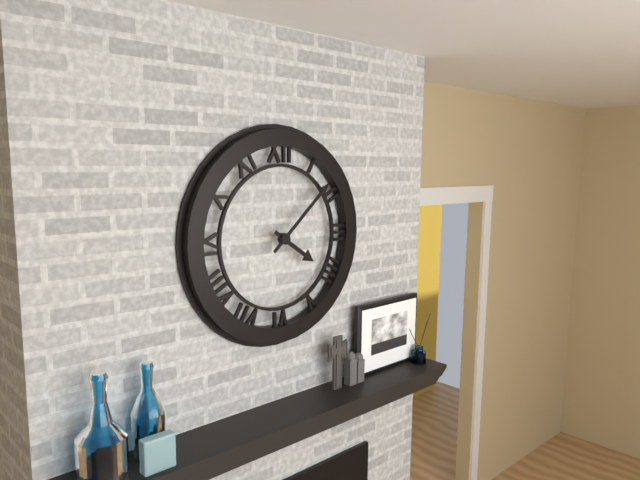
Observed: 4 h 08 min
